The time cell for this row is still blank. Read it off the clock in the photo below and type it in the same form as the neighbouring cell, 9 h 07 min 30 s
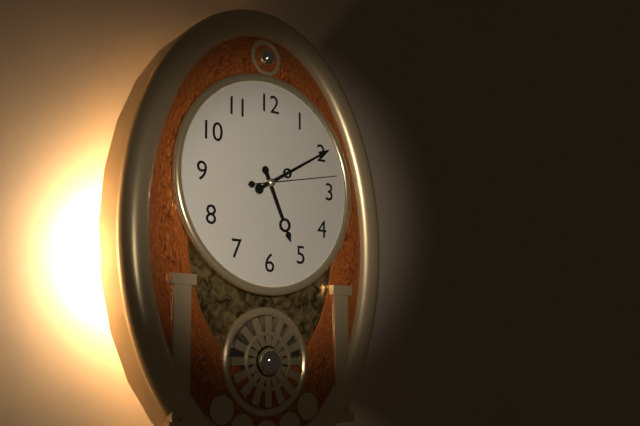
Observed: 5 h 10 min 13 s
